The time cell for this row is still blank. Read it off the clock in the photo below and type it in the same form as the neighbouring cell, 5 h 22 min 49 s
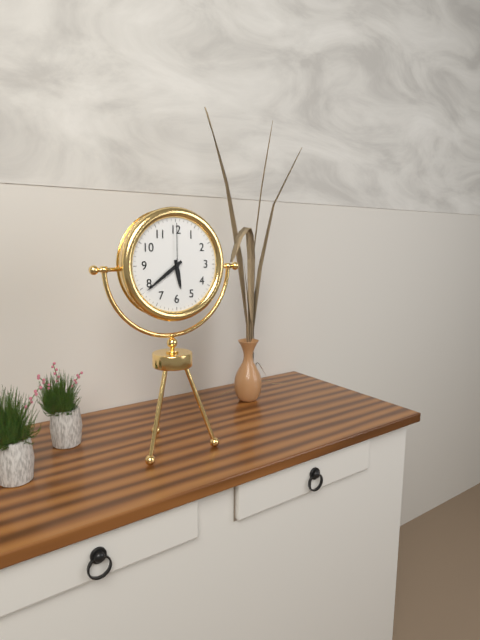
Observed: 5 h 39 min 00 s
